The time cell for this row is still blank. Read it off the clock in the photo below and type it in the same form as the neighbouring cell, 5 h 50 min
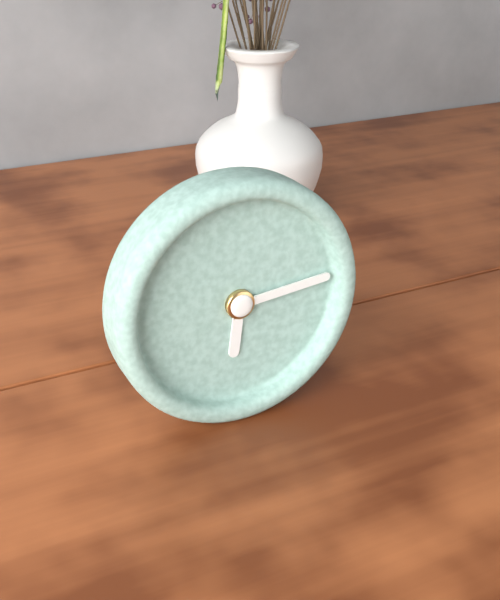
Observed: 6 h 14 min
